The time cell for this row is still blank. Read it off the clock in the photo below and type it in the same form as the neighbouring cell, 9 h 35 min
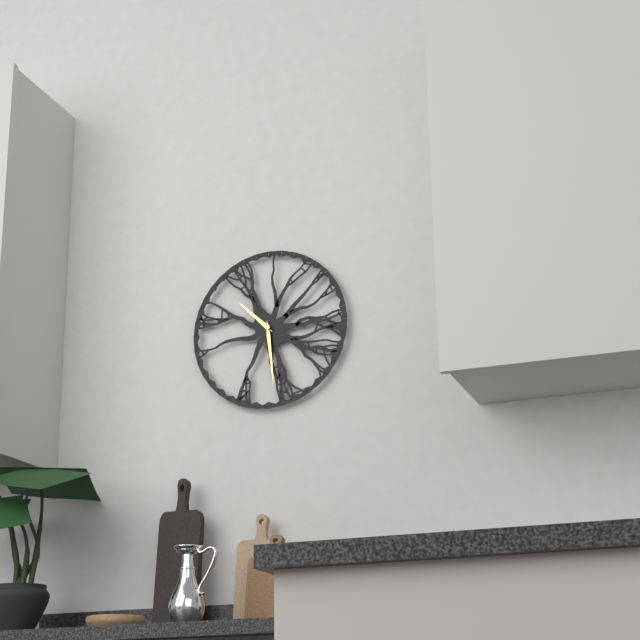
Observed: 10 h 29 min
